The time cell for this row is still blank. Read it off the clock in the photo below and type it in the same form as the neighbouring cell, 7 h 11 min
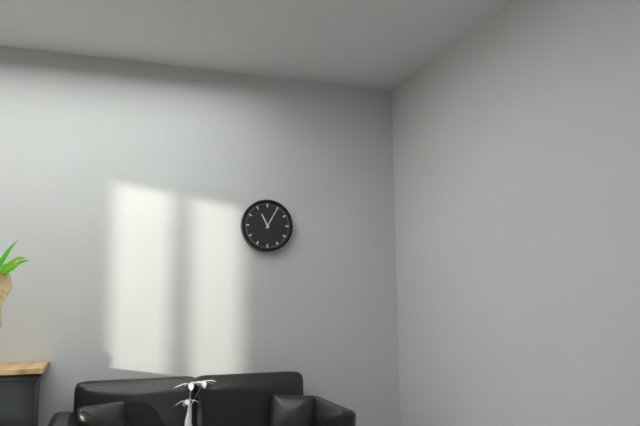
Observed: 11 h 05 min
